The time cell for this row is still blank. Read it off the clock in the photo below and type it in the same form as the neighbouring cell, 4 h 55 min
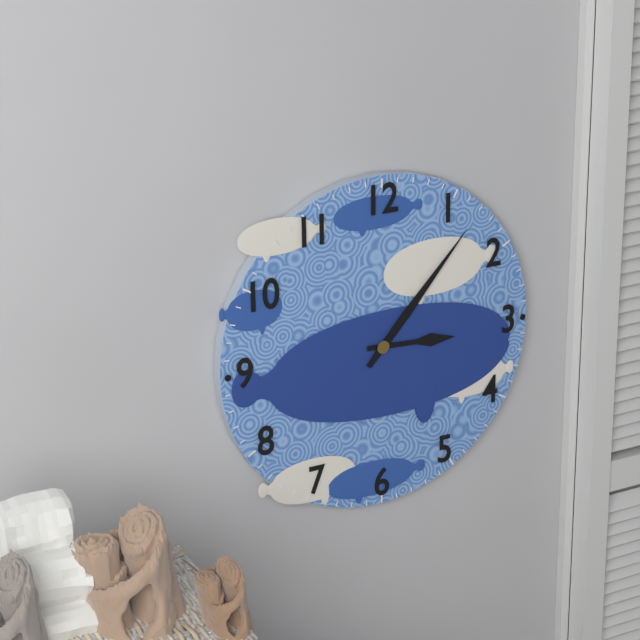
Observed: 3 h 07 min
